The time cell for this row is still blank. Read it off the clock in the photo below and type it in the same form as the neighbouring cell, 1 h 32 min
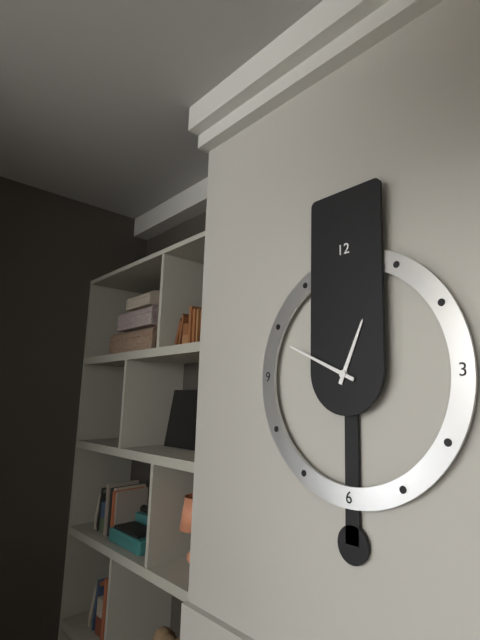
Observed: 12 h 49 min
